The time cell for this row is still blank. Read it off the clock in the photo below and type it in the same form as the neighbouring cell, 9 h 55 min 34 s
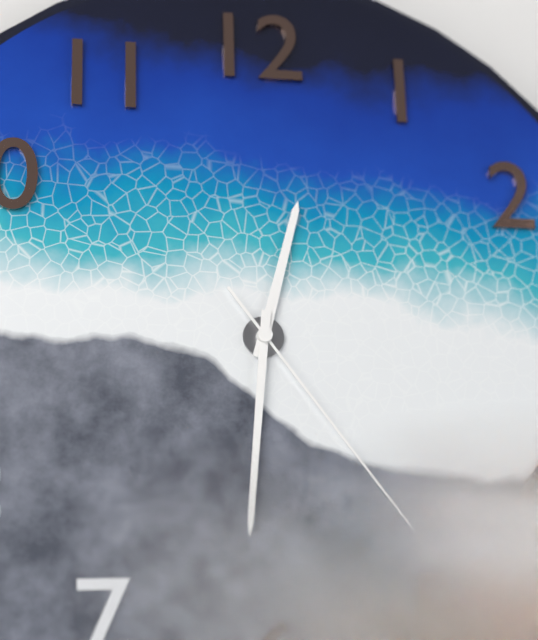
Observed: 12 h 31 min 24 s
